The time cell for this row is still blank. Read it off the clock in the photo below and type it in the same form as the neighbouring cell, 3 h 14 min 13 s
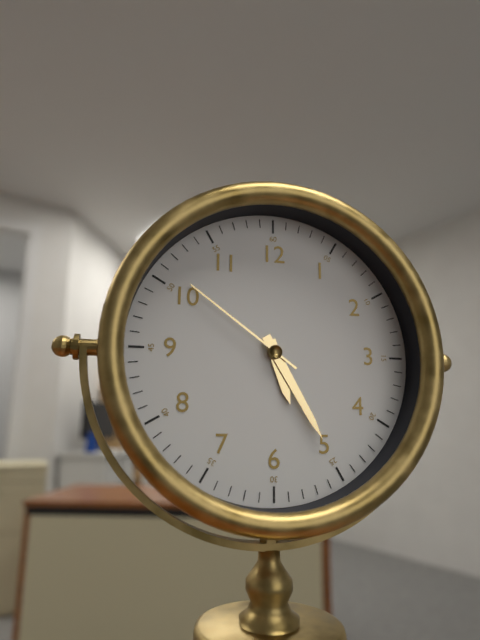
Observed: 5 h 25 min 51 s
